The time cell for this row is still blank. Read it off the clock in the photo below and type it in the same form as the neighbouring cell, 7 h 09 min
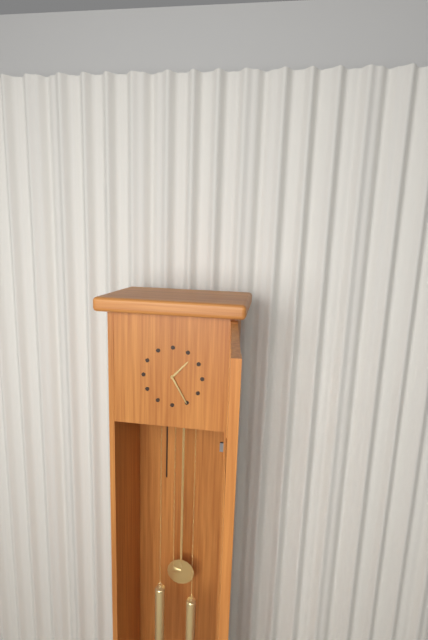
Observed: 1 h 25 min
